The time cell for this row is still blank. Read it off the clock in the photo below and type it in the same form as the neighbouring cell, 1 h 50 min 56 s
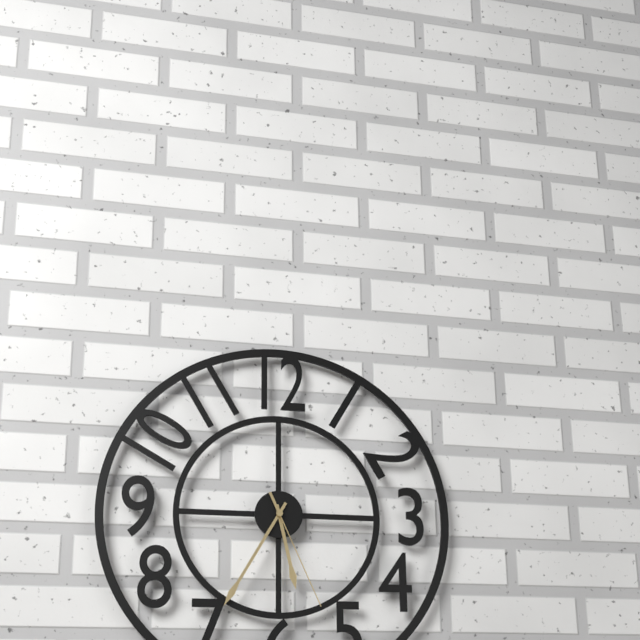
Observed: 5 h 35 min 26 s
